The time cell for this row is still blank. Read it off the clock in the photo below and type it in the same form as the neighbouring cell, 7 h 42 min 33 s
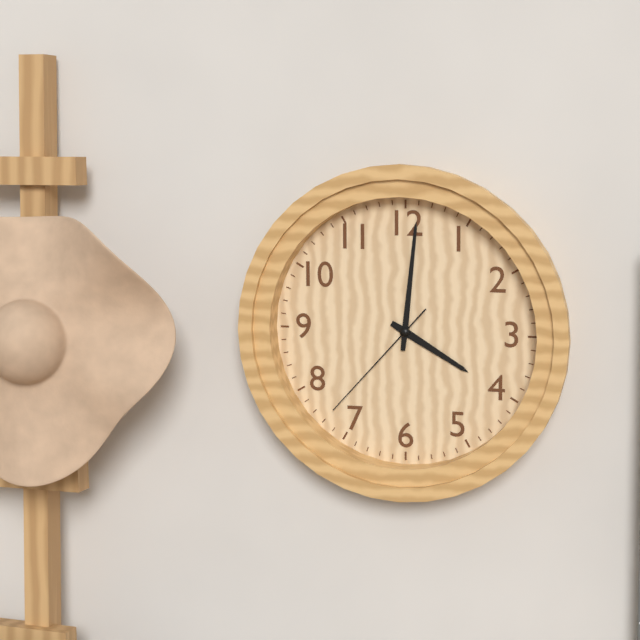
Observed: 4 h 01 min 37 s
